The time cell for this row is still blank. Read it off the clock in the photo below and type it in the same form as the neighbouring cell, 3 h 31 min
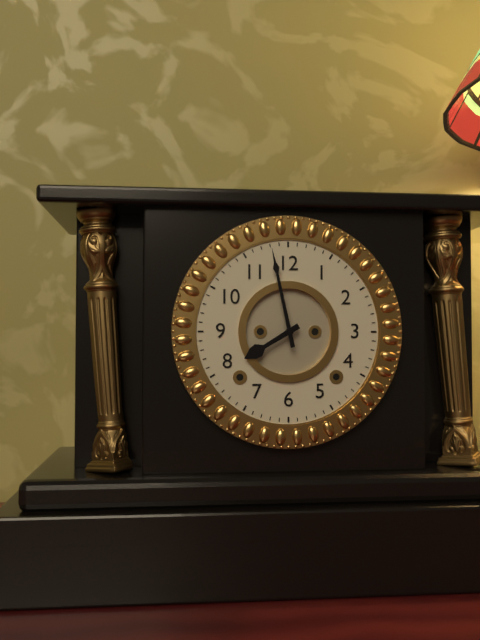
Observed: 7 h 58 min
